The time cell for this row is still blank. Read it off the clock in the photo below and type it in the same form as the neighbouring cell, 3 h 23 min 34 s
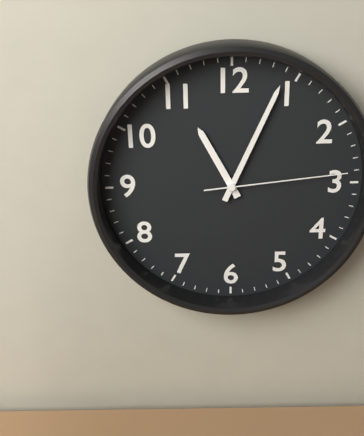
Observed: 11 h 04 min 14 s
